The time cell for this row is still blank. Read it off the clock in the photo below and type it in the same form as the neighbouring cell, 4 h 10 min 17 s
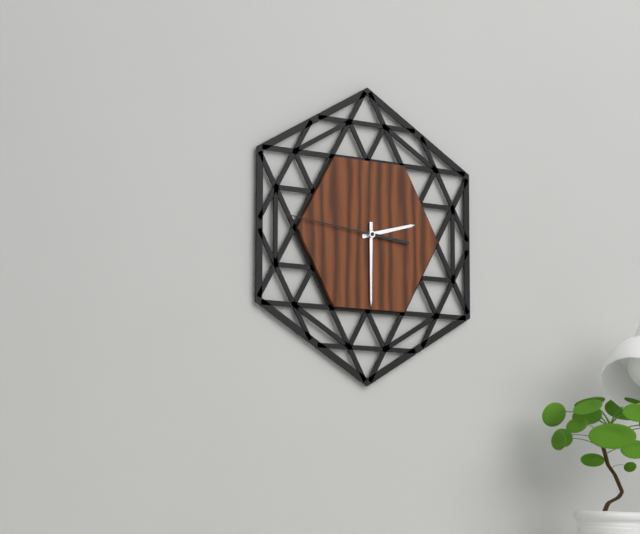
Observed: 2 h 30 min 46 s
